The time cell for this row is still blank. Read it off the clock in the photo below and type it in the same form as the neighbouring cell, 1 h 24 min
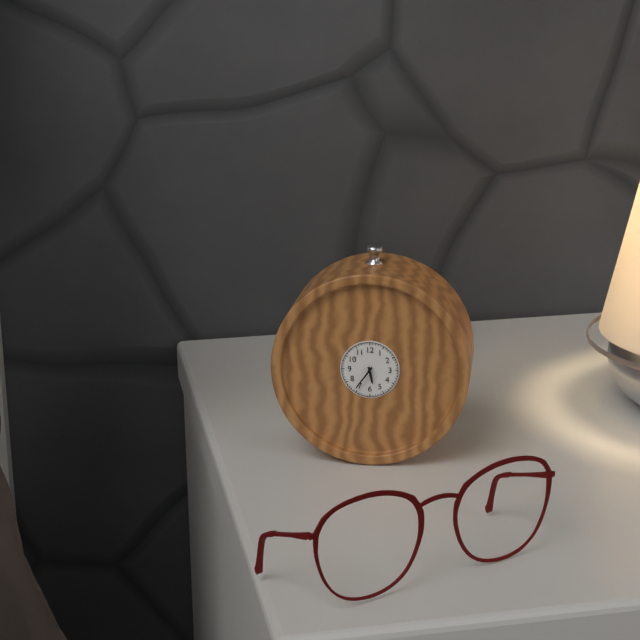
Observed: 5 h 36 min
